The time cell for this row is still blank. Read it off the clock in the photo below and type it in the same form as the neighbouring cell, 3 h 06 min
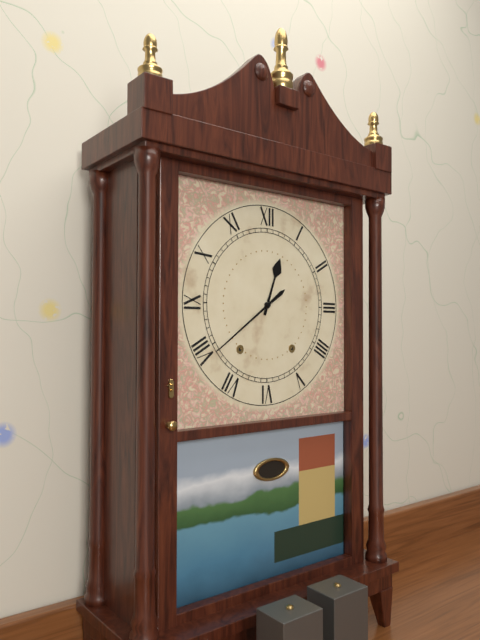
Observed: 12 h 39 min
